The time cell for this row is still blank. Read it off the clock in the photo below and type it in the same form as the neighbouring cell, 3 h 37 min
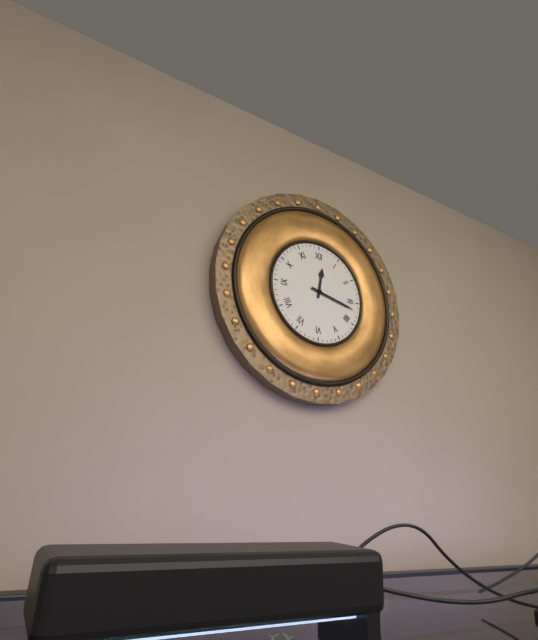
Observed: 12 h 17 min
